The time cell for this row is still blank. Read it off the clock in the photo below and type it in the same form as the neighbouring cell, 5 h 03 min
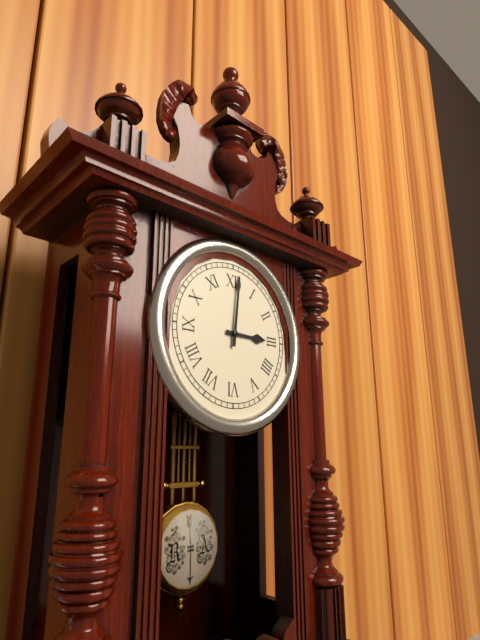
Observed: 3 h 01 min
